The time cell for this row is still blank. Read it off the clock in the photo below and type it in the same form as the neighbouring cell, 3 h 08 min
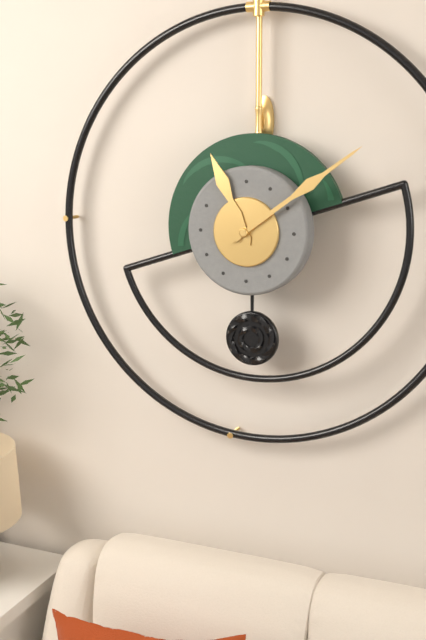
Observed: 11 h 09 min
